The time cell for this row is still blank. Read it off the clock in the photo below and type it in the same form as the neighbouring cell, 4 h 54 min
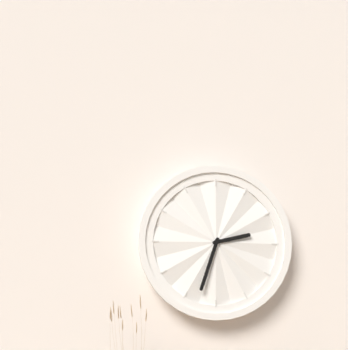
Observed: 2 h 33 min
